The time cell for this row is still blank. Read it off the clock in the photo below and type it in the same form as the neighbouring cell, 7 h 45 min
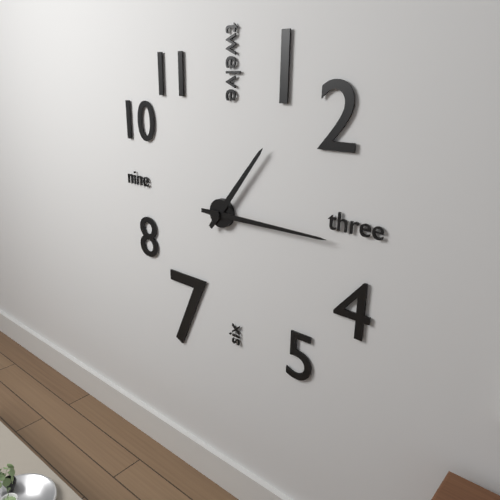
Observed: 1 h 15 min
